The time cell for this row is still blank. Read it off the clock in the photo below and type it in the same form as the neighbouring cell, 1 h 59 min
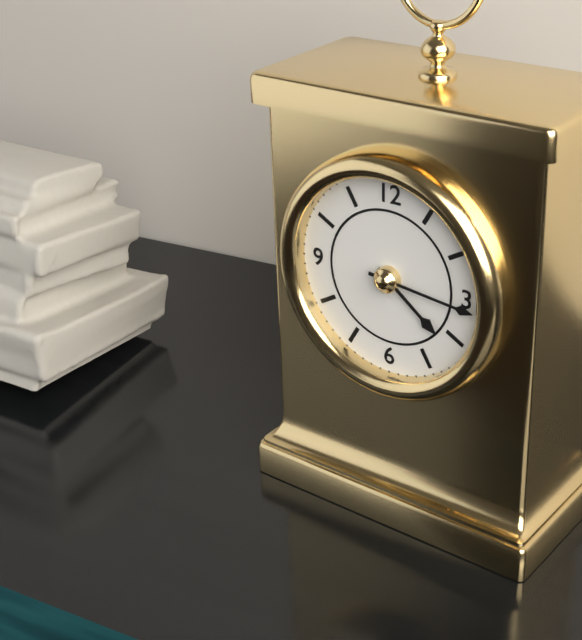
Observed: 4 h 16 min
